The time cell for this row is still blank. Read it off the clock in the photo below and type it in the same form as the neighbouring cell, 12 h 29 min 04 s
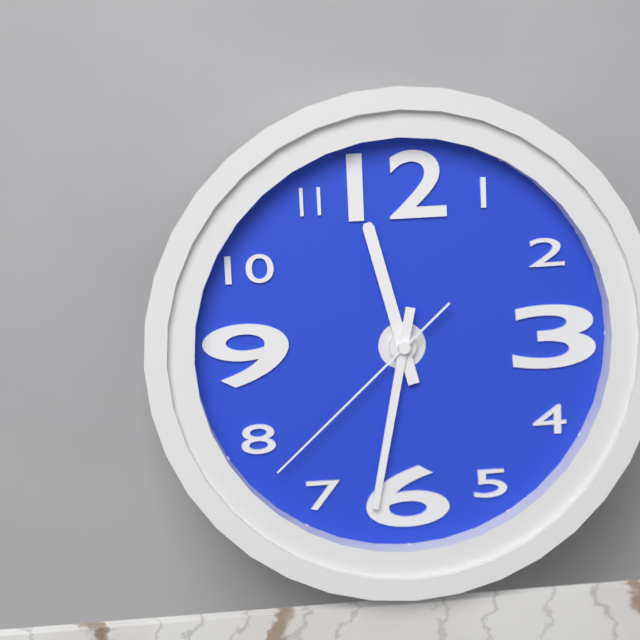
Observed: 11 h 32 min 38 s
